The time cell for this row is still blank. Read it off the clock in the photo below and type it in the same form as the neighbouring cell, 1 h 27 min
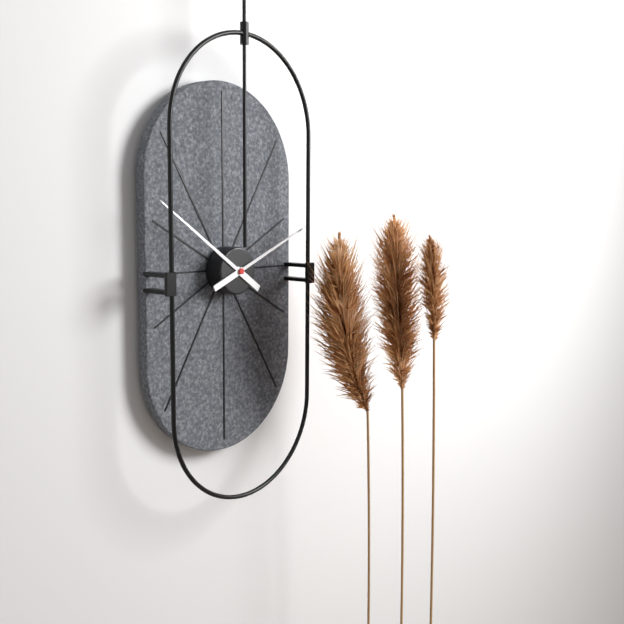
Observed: 10 h 11 min
